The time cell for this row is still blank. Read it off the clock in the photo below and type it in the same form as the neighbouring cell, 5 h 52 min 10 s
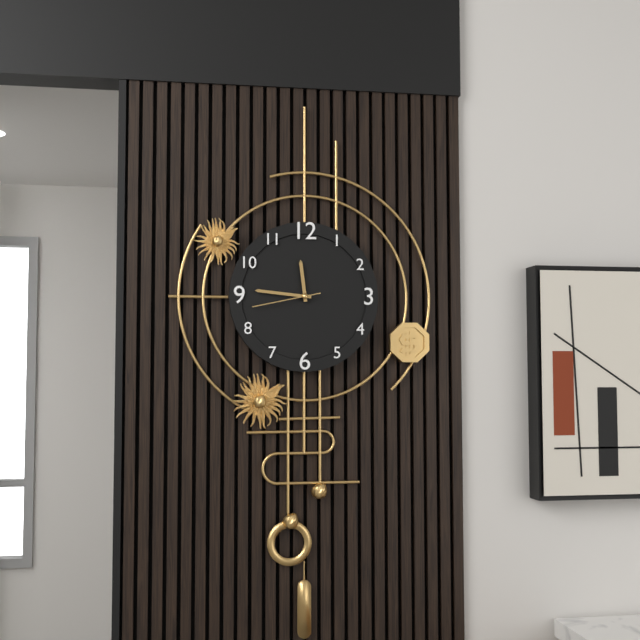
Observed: 11 h 46 min 43 s
